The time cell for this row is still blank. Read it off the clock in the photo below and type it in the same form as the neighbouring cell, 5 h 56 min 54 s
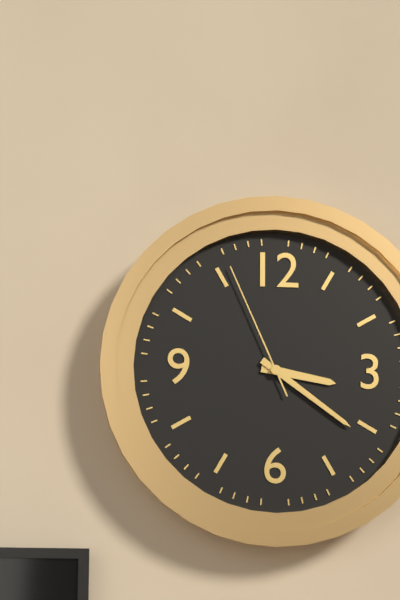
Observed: 3 h 21 min 56 s
